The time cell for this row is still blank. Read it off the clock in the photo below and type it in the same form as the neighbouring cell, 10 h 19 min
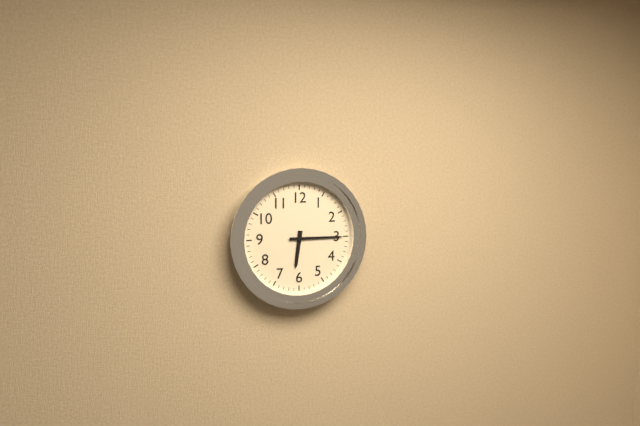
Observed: 6 h 15 min
